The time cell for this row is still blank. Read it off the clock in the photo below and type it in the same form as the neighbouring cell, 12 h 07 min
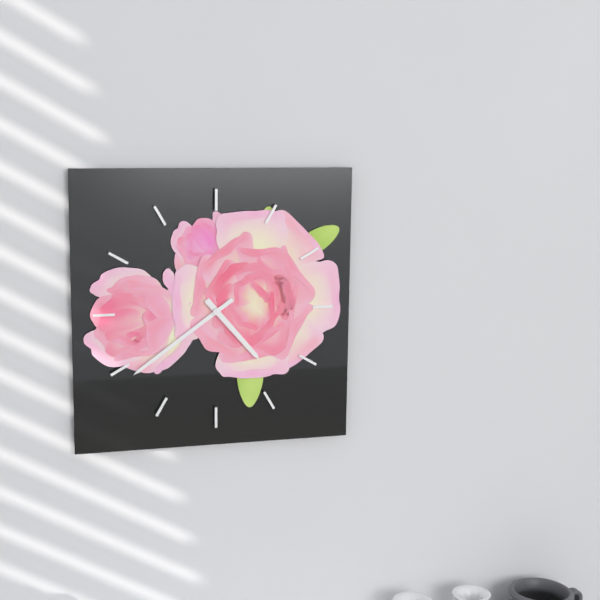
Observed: 4 h 39 min
